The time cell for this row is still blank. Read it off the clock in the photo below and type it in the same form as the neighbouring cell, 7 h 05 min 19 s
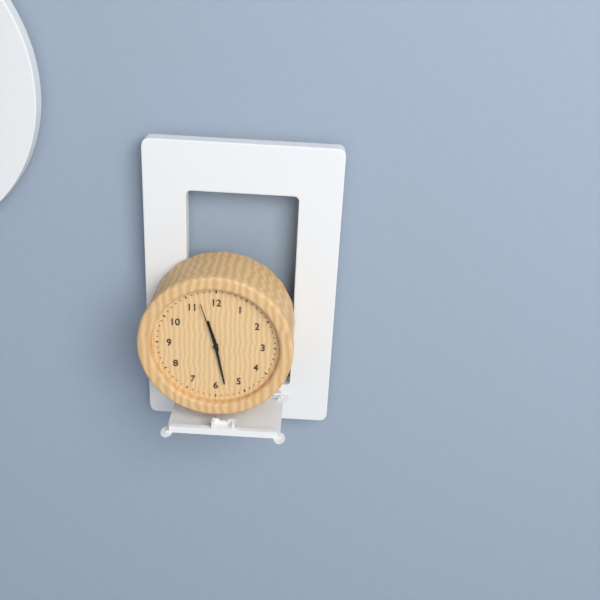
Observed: 11 h 28 min 57 s
